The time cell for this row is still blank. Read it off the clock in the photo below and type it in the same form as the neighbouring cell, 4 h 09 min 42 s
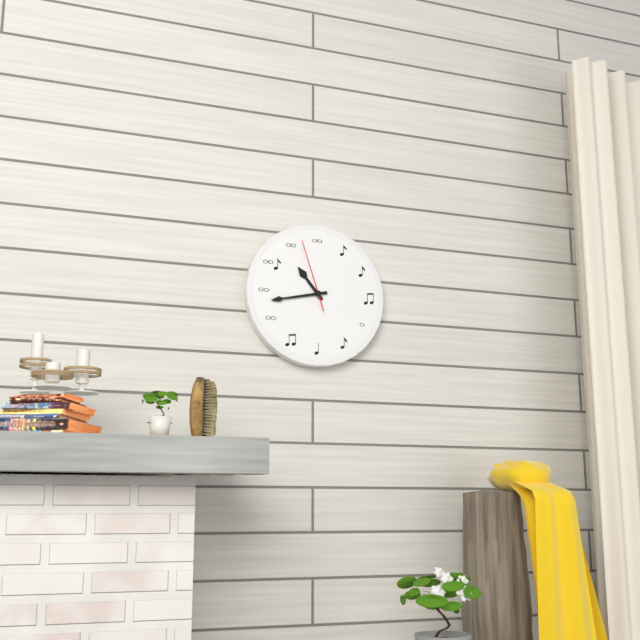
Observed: 10 h 43 min 57 s
